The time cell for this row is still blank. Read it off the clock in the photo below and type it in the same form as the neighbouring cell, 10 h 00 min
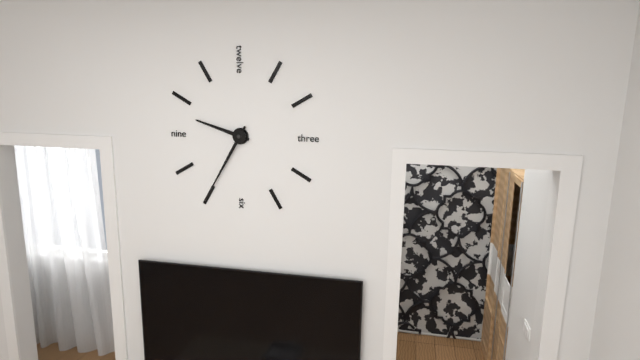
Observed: 9 h 35 min
